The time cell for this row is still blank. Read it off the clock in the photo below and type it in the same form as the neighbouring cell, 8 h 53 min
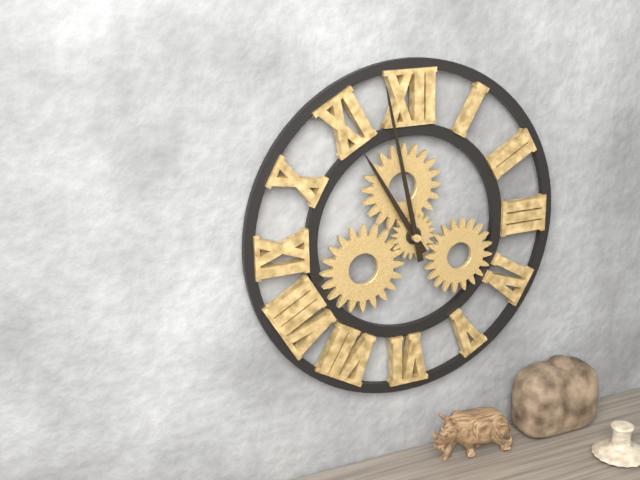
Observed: 10 h 58 min
